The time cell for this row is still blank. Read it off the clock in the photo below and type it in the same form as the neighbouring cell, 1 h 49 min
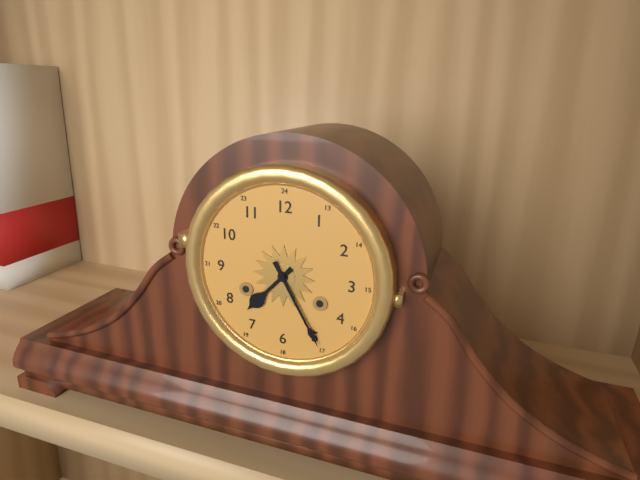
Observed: 7 h 25 min
